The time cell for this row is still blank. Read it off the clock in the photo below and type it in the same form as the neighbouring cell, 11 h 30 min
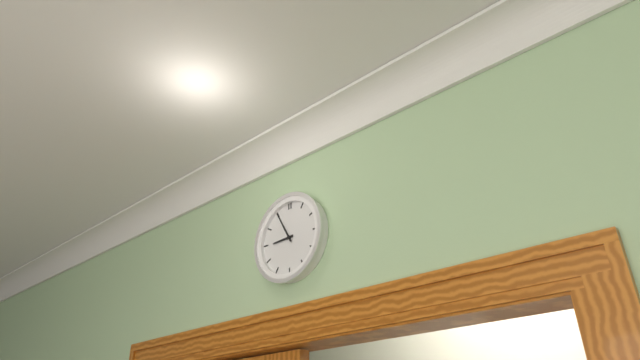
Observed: 8 h 55 min
